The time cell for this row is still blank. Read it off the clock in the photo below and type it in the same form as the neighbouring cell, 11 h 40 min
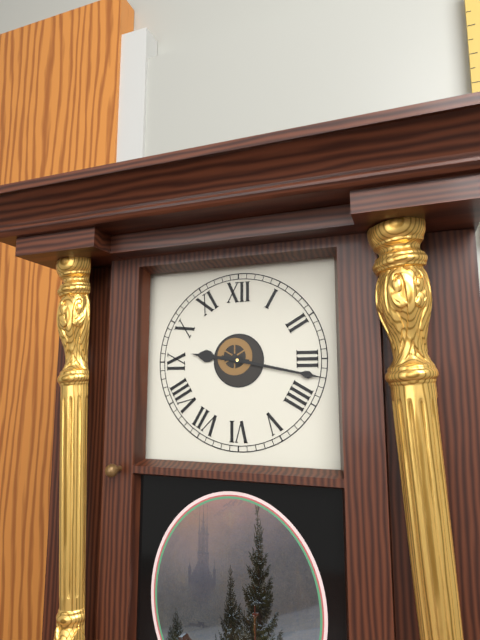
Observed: 9 h 17 min
